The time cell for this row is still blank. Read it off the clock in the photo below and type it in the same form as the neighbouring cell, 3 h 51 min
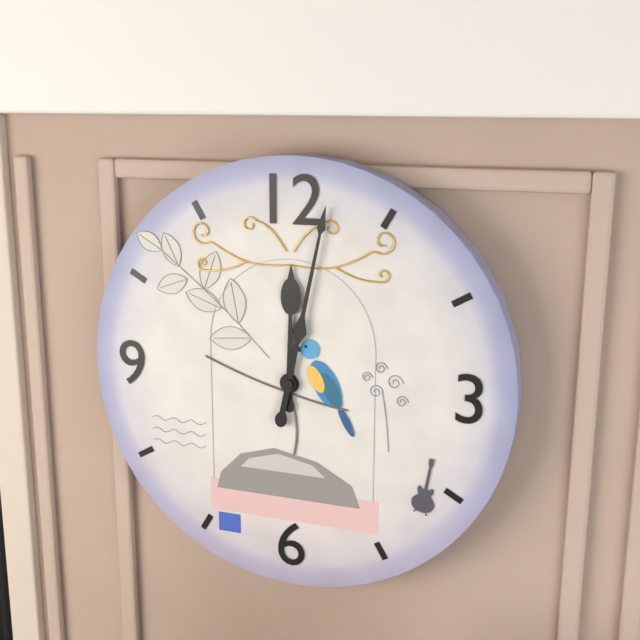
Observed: 12 h 02 min
